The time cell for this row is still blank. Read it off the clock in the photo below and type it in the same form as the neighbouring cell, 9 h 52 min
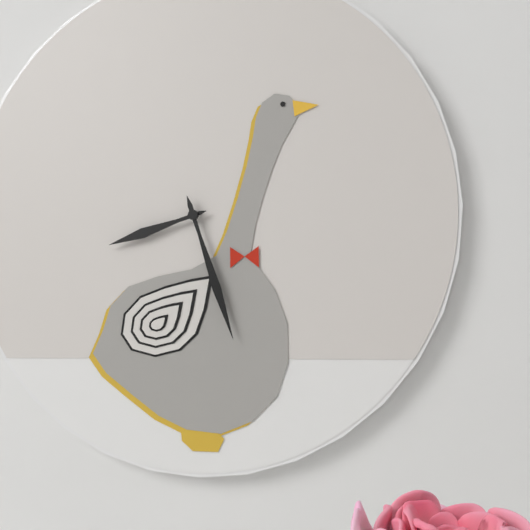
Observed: 8 h 27 min
